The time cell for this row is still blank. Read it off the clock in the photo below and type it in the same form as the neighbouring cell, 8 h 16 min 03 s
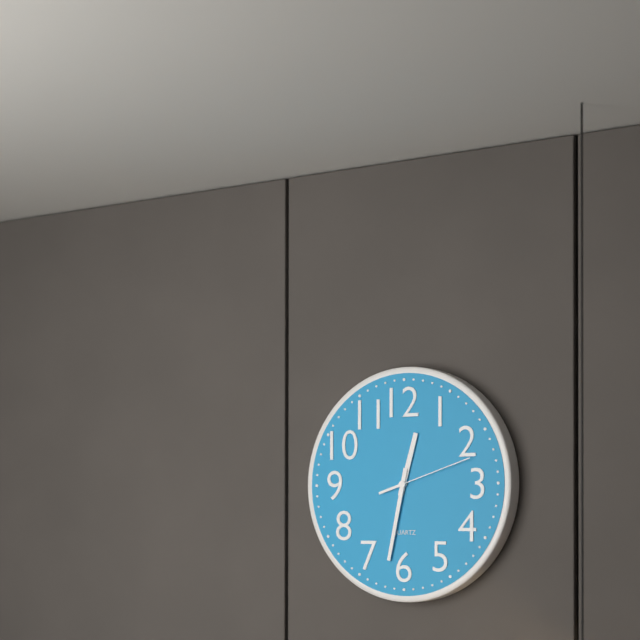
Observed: 12 h 32 min 12 s
